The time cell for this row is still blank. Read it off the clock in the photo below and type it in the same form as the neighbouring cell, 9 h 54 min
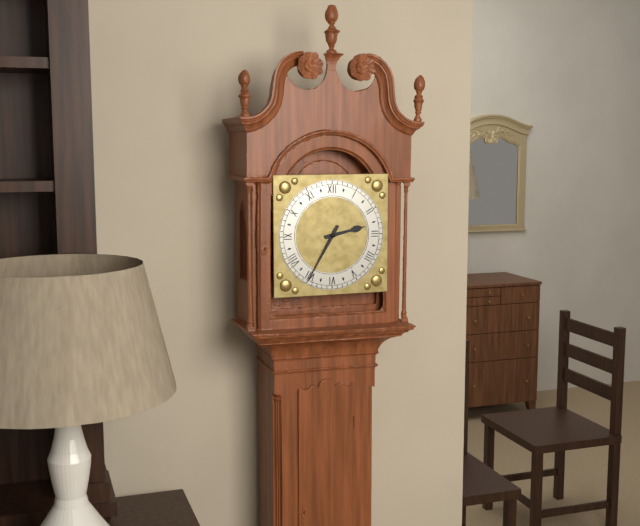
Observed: 2 h 35 min
